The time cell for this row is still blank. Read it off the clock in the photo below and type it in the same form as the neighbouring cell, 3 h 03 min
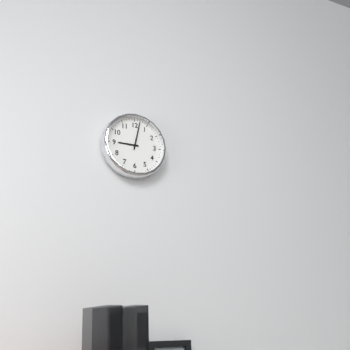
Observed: 9 h 02 min
